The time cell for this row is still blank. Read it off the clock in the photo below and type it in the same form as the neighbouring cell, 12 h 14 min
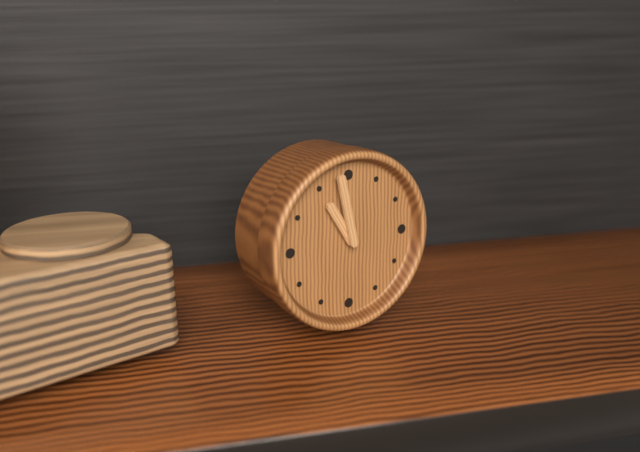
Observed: 10 h 58 min
